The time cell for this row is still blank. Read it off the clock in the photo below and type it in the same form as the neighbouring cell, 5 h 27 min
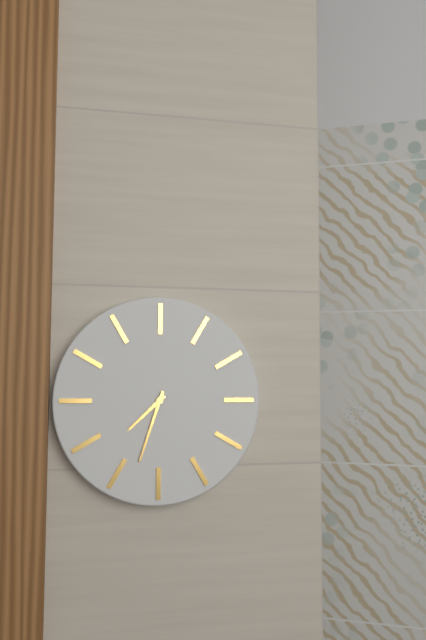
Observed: 7 h 33 min
